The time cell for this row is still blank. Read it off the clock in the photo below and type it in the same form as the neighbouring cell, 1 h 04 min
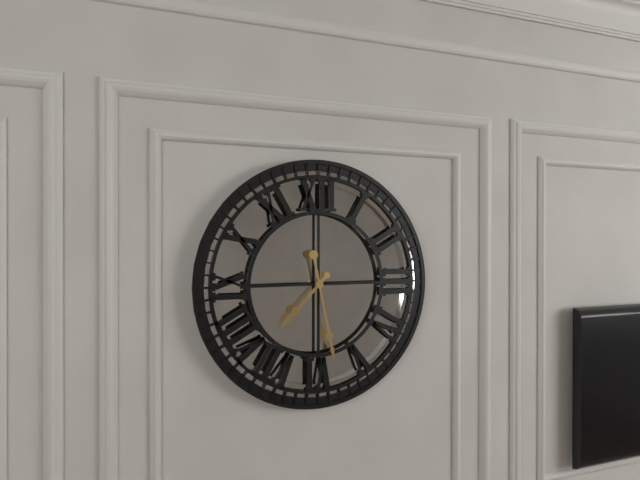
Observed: 7 h 28 min
